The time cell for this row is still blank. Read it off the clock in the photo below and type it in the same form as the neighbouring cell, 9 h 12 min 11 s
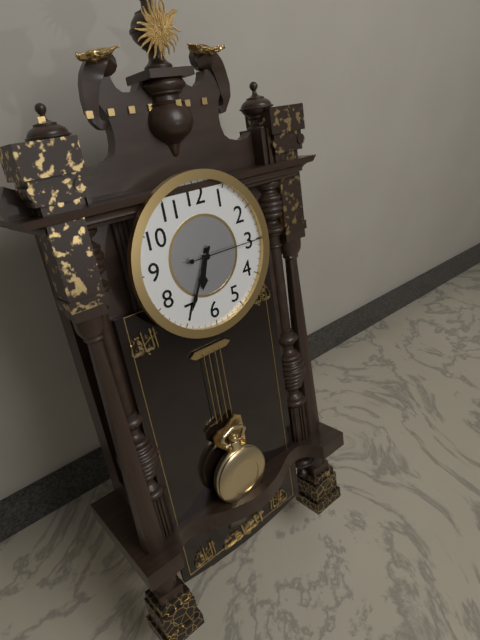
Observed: 6 h 35 min 15 s
